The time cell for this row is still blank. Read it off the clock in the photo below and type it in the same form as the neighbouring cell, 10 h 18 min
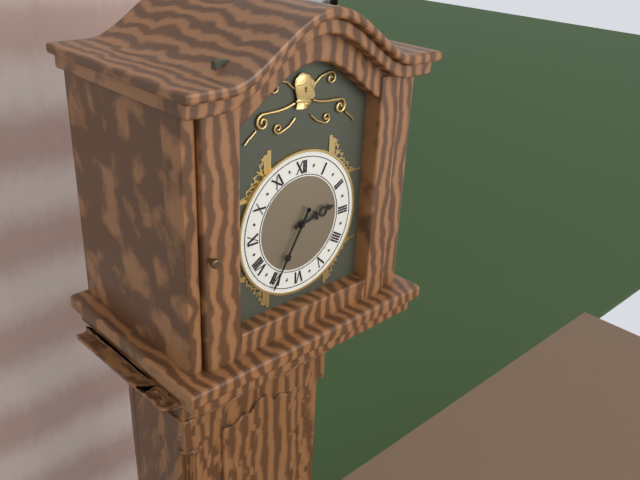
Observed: 2 h 35 min
